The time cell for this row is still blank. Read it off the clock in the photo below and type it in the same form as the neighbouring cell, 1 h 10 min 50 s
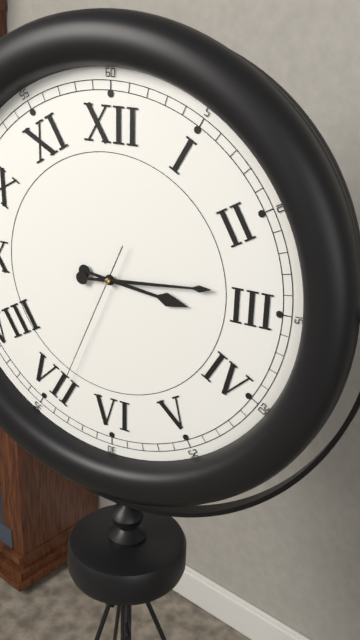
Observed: 3 h 14 min 34 s
